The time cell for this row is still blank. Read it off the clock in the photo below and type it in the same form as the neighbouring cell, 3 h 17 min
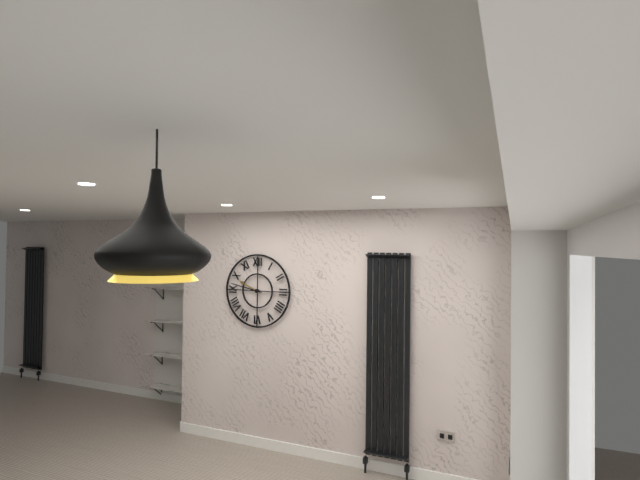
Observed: 9 h 47 min
